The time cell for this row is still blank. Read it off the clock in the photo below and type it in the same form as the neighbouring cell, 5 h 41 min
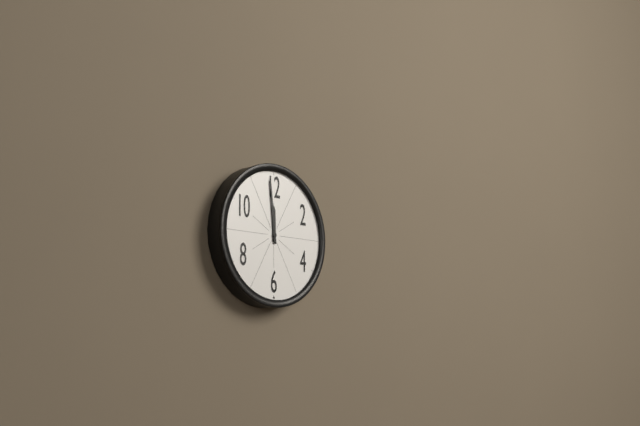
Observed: 11 h 59 min
